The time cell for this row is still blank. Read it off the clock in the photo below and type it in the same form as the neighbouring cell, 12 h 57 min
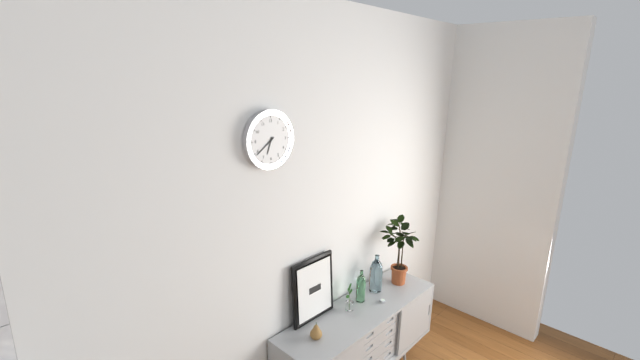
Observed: 6 h 39 min
